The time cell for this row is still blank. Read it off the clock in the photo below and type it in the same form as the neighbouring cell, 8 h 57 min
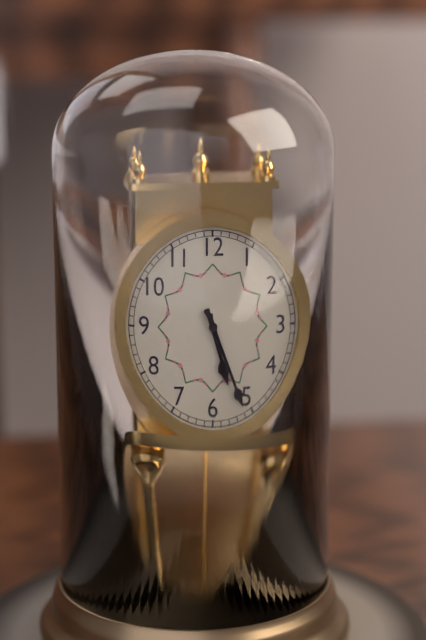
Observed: 5 h 26 min
